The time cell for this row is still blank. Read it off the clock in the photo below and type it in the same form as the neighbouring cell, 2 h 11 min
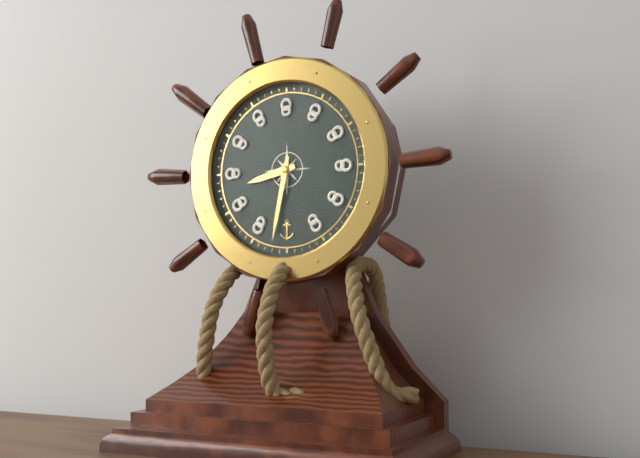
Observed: 8 h 32 min
